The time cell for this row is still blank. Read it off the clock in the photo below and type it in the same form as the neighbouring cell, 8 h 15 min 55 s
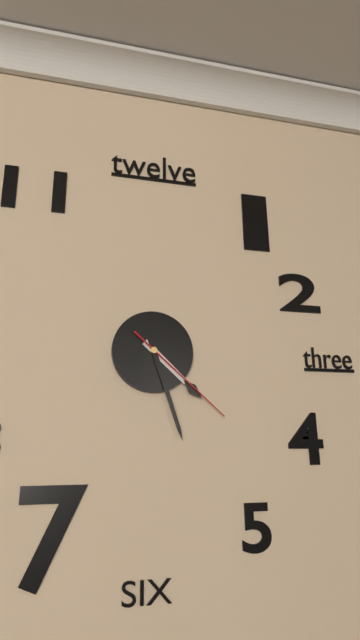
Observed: 4 h 27 min 22 s
